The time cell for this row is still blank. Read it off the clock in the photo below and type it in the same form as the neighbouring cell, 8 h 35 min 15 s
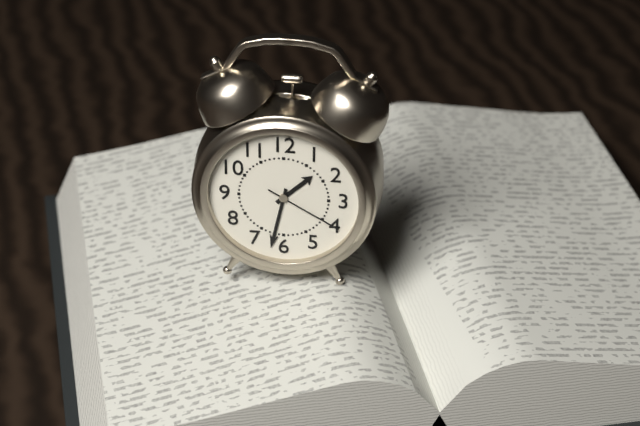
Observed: 1 h 32 min 20 s
